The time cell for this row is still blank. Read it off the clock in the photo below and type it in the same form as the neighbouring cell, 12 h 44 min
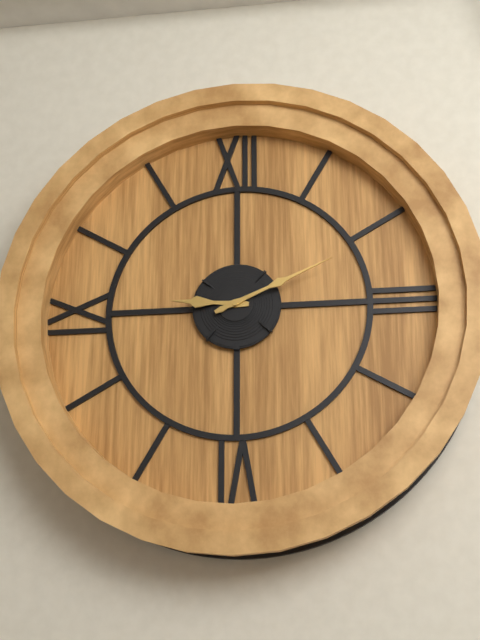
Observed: 9 h 11 min
